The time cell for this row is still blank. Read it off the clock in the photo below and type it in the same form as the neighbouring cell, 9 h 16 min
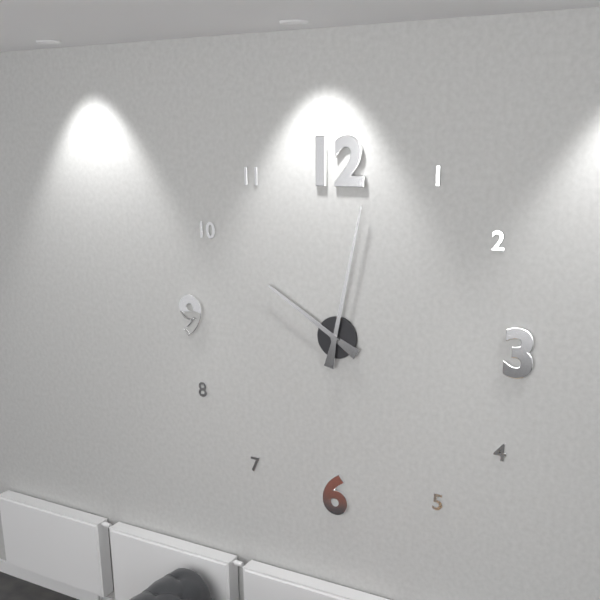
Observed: 10 h 02 min
